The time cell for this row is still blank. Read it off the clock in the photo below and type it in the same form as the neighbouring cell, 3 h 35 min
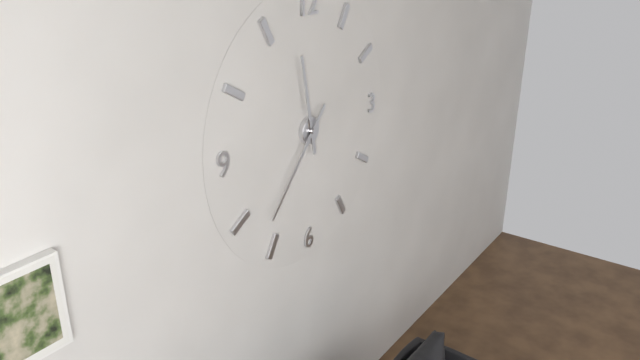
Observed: 11 h 37 min
